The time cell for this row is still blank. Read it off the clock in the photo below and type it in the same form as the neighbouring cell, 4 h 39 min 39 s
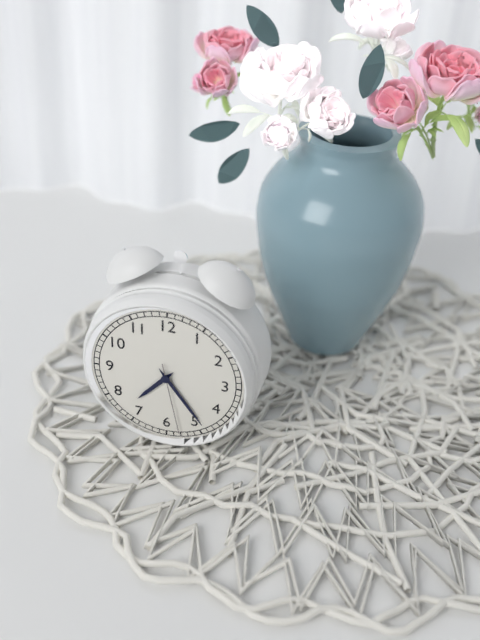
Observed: 7 h 24 min 28 s
